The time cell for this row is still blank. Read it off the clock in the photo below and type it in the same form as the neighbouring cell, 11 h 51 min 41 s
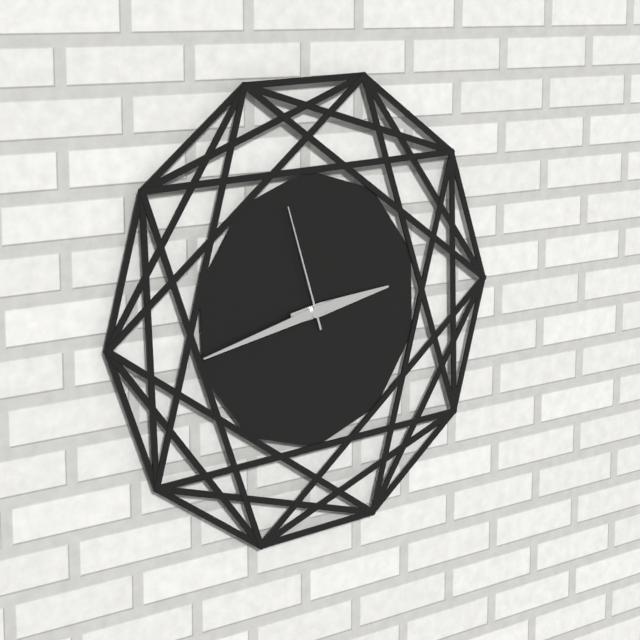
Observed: 2 h 43 min 57 s
